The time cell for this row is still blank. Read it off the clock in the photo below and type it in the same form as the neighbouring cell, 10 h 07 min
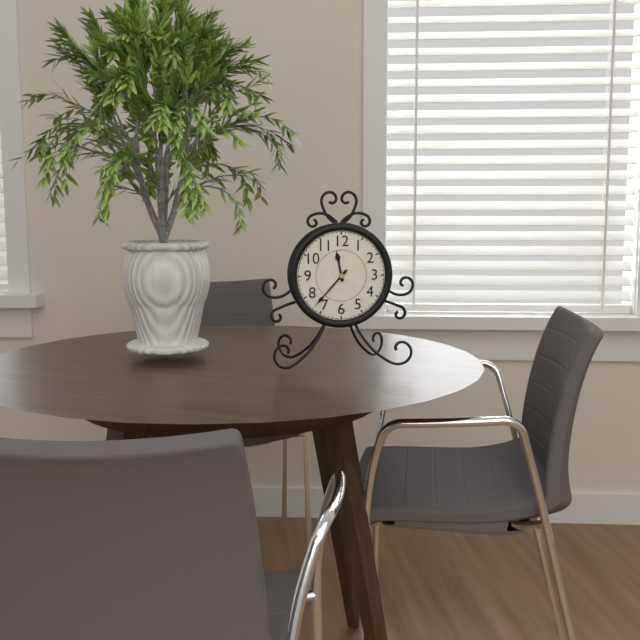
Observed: 11 h 37 min
